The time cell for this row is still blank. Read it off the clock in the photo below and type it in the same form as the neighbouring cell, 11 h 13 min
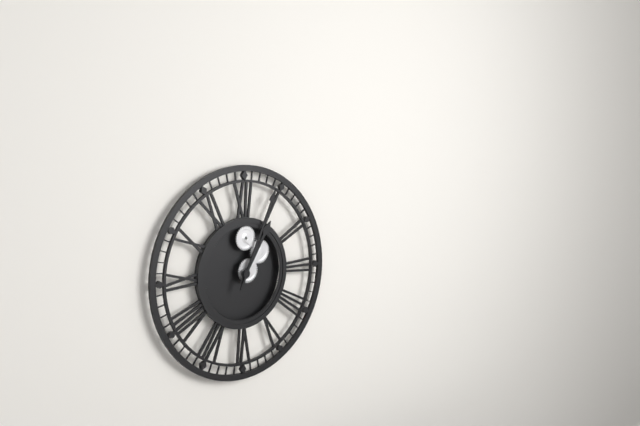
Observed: 1 h 04 min
